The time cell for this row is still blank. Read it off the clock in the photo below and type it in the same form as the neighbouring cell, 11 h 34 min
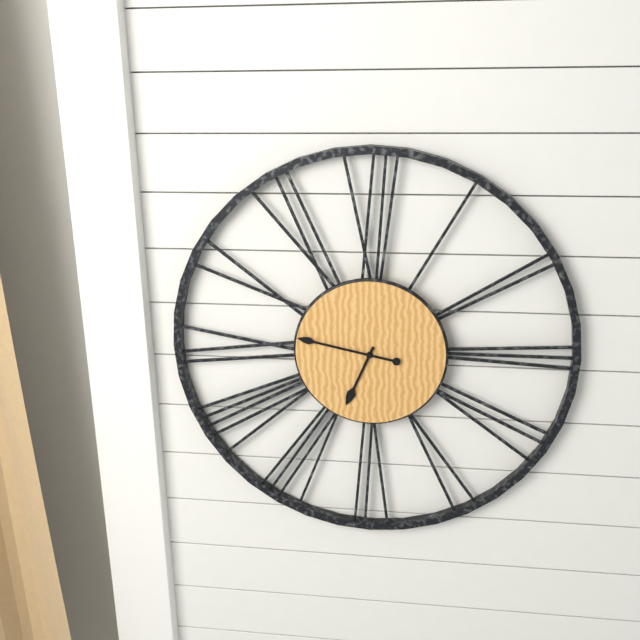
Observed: 6 h 47 min
